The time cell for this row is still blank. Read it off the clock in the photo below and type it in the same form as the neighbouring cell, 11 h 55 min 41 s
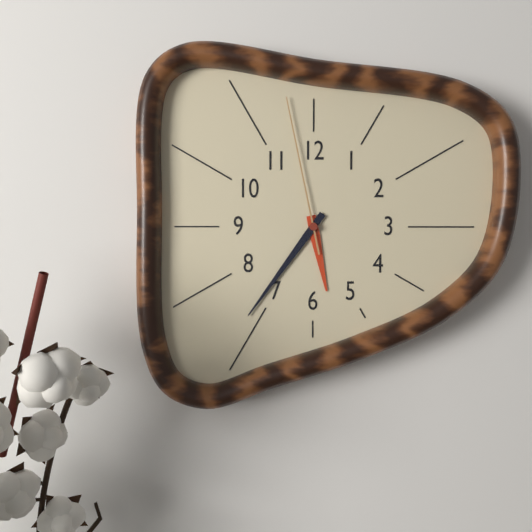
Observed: 5 h 36 min 58 s
